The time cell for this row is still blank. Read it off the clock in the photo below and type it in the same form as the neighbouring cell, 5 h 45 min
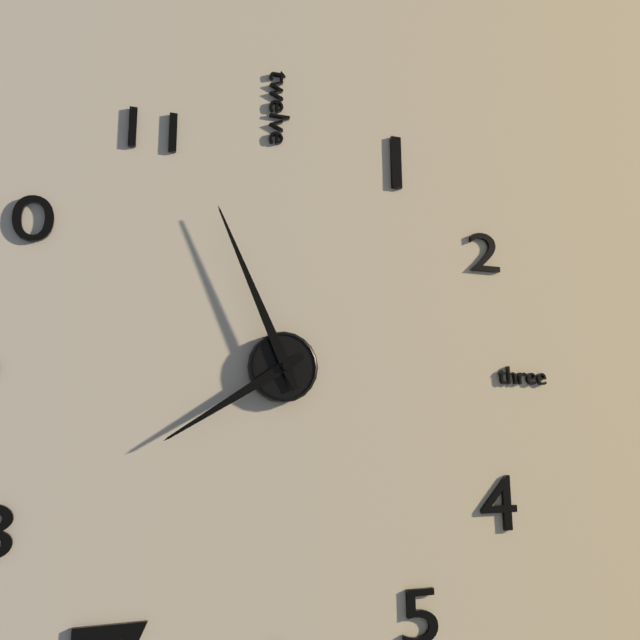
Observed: 7 h 56 min
